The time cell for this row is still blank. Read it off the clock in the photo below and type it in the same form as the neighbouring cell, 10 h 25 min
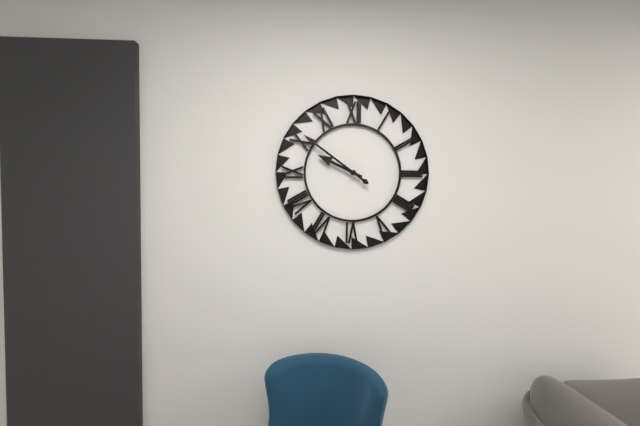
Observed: 9 h 51 min
